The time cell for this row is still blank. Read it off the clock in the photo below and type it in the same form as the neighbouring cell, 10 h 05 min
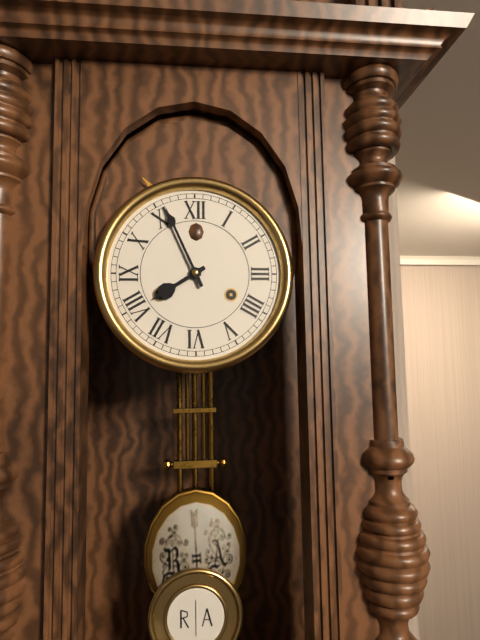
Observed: 7 h 56 min
